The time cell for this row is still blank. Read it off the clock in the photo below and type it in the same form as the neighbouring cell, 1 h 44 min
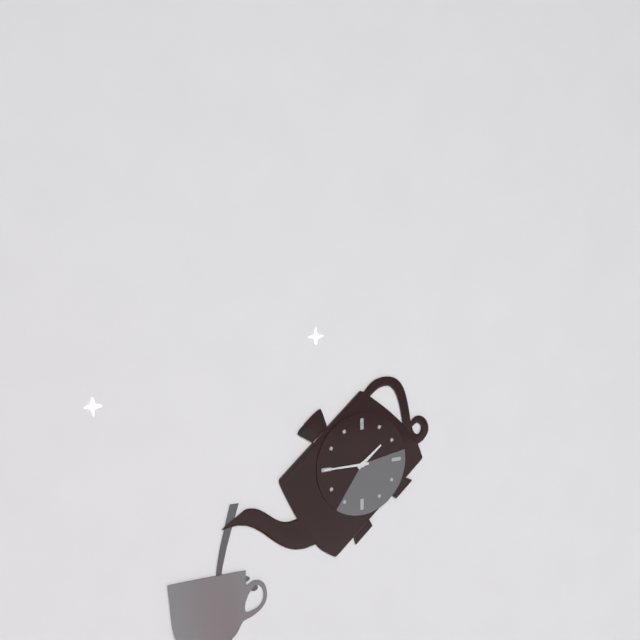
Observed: 1 h 45 min
